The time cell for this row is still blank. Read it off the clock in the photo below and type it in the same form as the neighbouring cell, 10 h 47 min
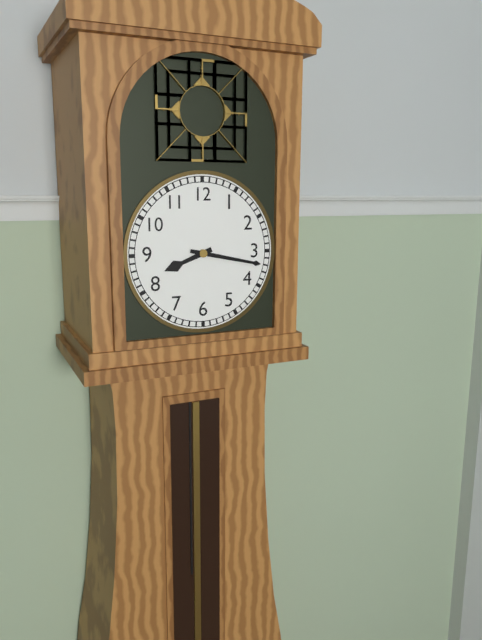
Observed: 8 h 17 min
